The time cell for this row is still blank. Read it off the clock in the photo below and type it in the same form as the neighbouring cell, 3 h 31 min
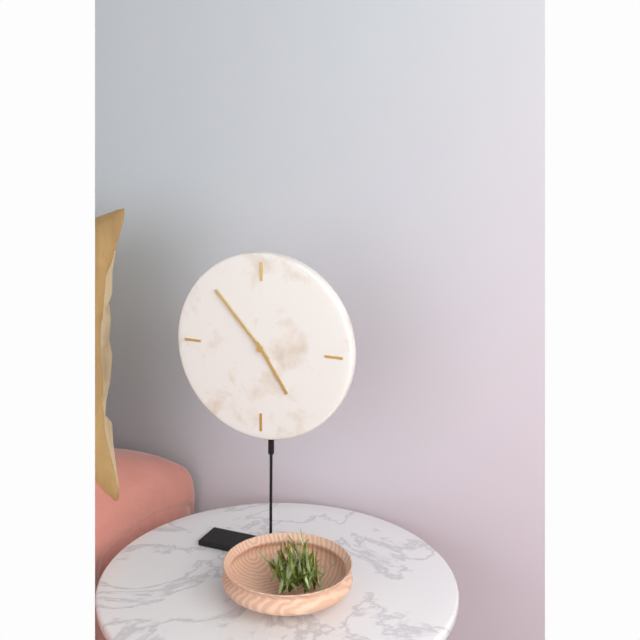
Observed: 4 h 53 min
